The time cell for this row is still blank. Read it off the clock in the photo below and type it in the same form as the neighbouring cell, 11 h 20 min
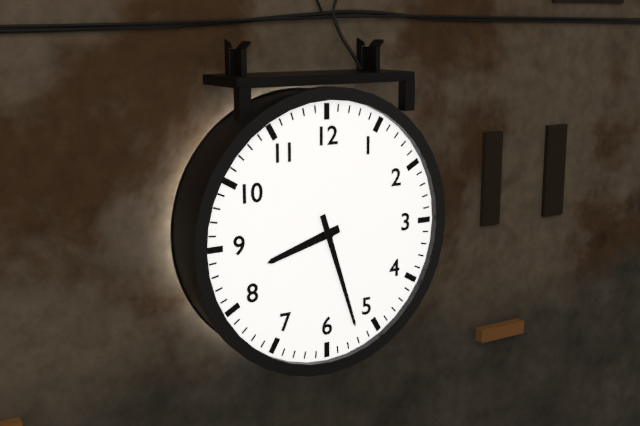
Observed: 8 h 27 min
